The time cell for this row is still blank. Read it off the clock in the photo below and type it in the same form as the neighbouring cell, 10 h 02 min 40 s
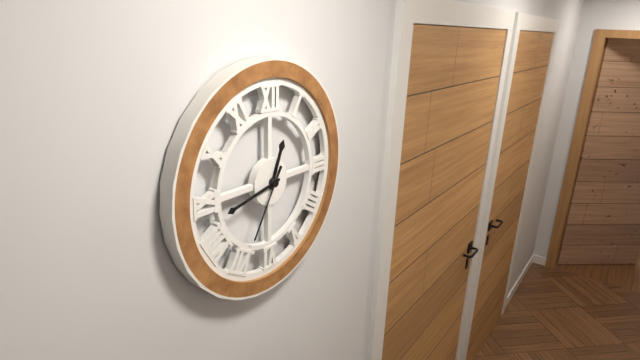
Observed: 12 h 43 min 35 s
